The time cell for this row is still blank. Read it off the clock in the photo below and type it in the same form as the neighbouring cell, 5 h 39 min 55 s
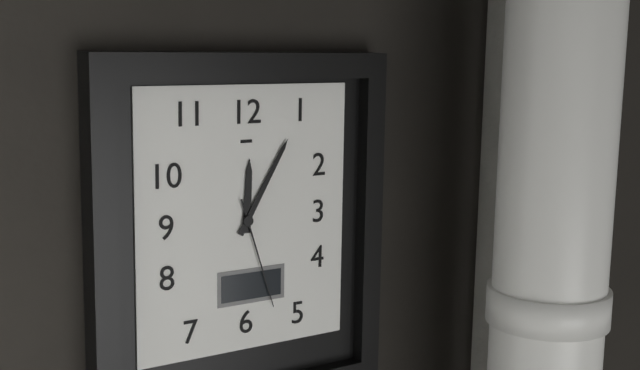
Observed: 12 h 05 min 27 s
